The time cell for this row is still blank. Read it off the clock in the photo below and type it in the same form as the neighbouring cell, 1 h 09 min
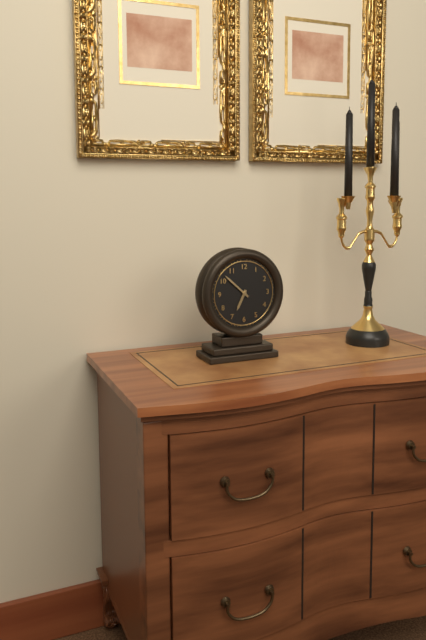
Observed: 6 h 52 min
